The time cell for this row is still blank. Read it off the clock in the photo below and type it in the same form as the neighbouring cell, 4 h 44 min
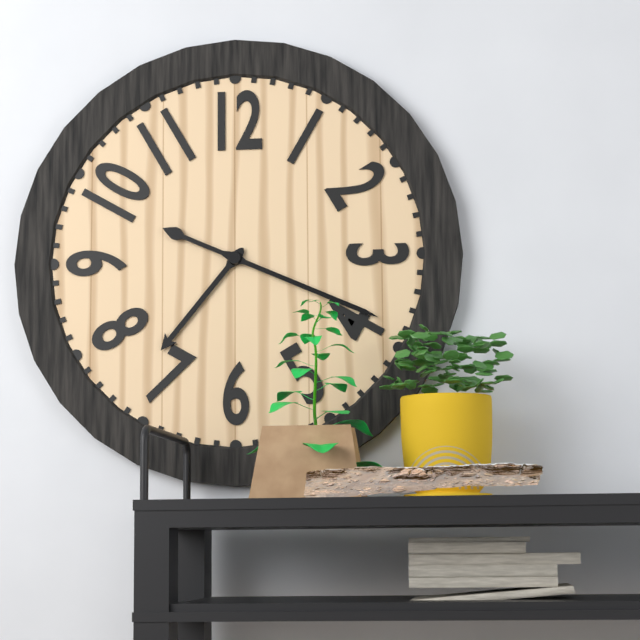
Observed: 7 h 19 min
